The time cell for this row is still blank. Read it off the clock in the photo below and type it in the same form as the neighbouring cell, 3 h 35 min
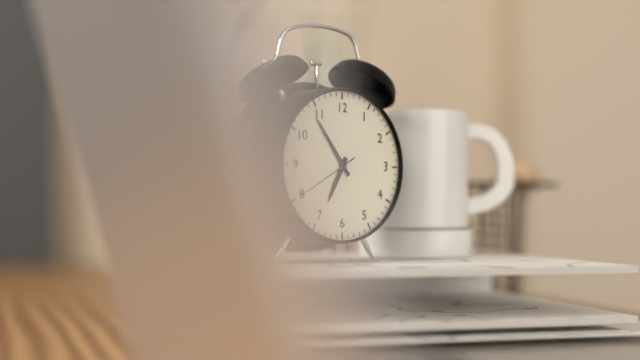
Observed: 6 h 54 min
